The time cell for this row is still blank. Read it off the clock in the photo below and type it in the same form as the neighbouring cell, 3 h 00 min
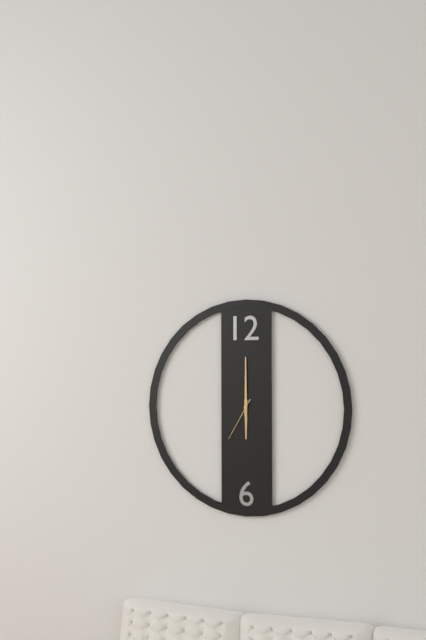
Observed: 6 h 00 min
